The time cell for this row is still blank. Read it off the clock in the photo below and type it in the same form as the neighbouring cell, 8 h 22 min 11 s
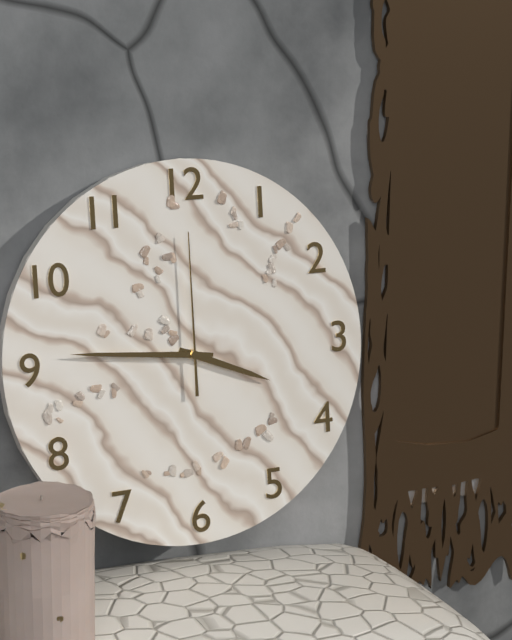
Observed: 3 h 46 min 00 s
